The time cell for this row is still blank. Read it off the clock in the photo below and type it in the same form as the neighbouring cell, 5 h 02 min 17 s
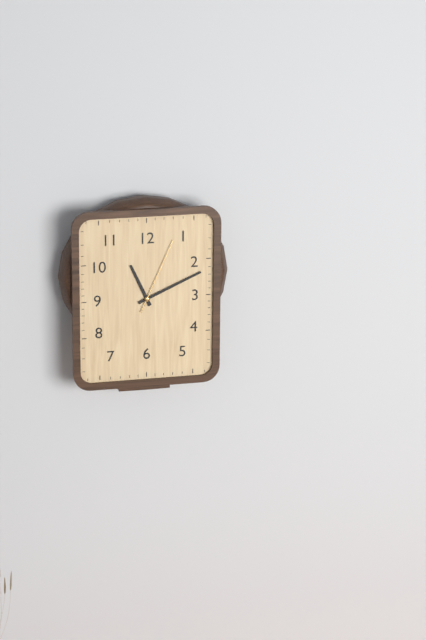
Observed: 11 h 11 min 04 s
